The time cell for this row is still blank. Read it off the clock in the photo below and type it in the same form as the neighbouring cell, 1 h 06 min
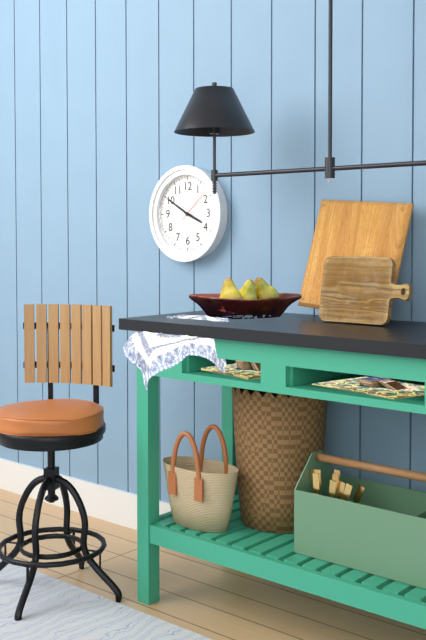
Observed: 3 h 50 min
